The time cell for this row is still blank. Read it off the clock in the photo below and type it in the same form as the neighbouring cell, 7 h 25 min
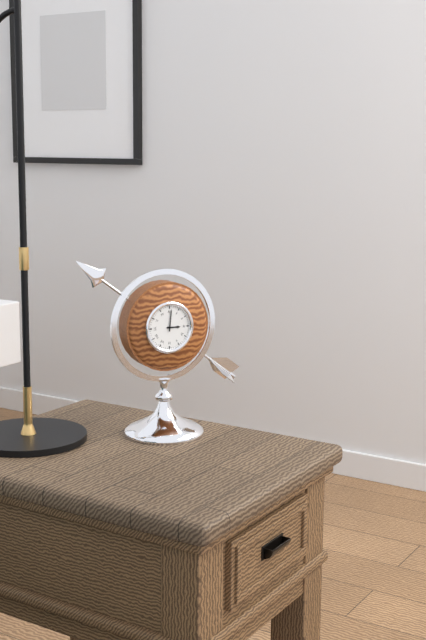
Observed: 3 h 01 min
